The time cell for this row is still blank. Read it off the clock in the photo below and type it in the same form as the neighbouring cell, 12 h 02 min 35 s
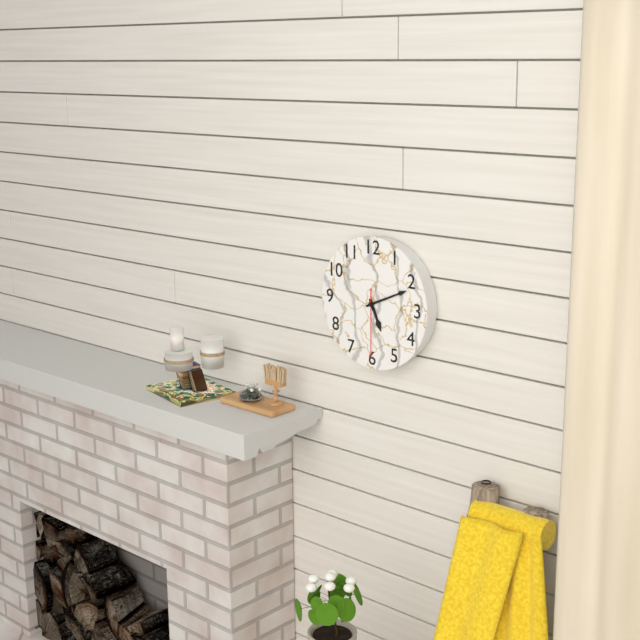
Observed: 5 h 11 min 30 s
